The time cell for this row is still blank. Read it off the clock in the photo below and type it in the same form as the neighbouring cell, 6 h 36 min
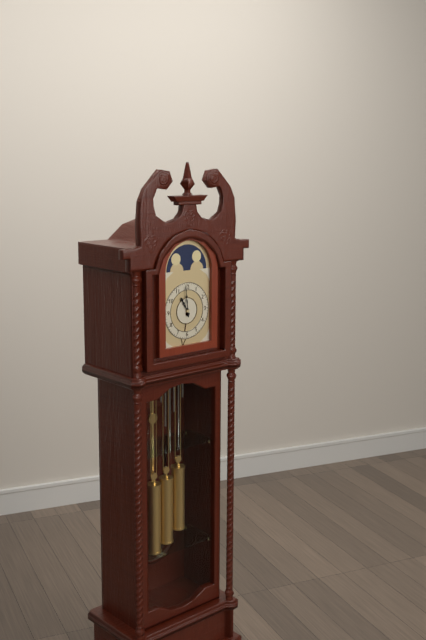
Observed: 10 h 59 min
